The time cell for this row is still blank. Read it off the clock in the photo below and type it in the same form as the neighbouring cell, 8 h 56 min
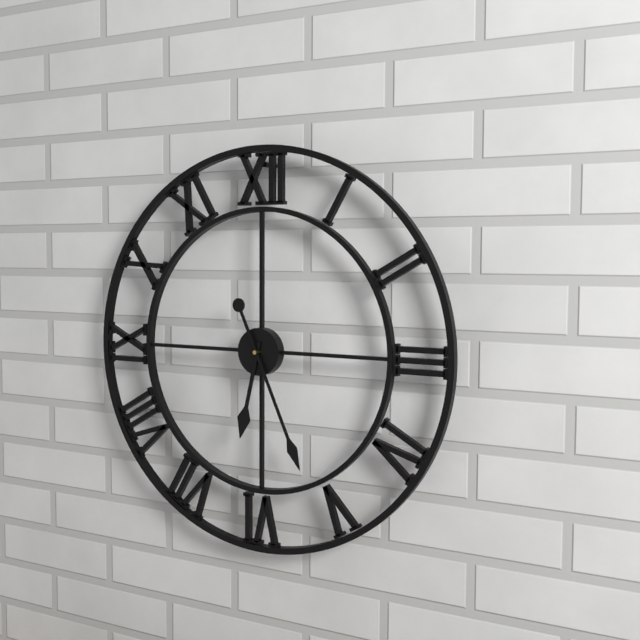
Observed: 6 h 26 min
